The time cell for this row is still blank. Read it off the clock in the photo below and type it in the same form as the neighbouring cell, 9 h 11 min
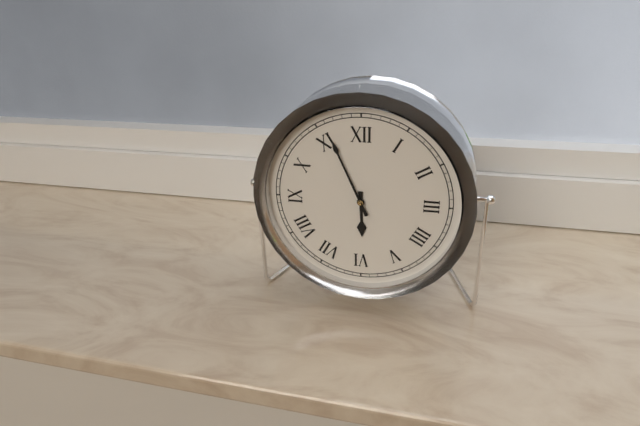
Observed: 5 h 56 min
